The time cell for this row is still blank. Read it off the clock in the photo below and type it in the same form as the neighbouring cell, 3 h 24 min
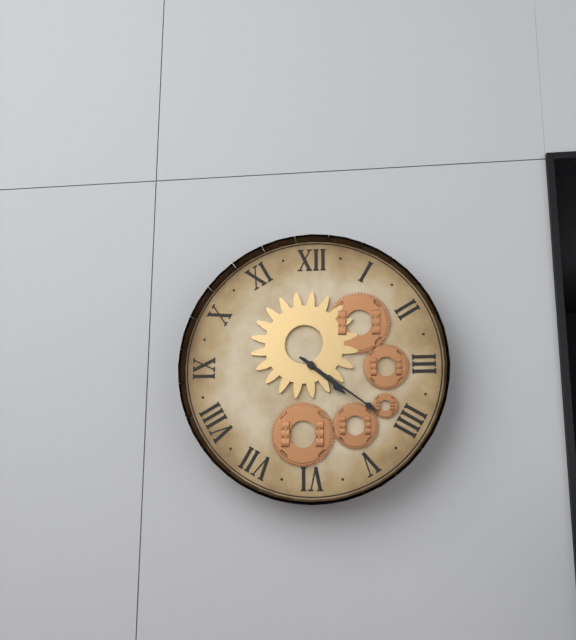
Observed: 4 h 21 min
